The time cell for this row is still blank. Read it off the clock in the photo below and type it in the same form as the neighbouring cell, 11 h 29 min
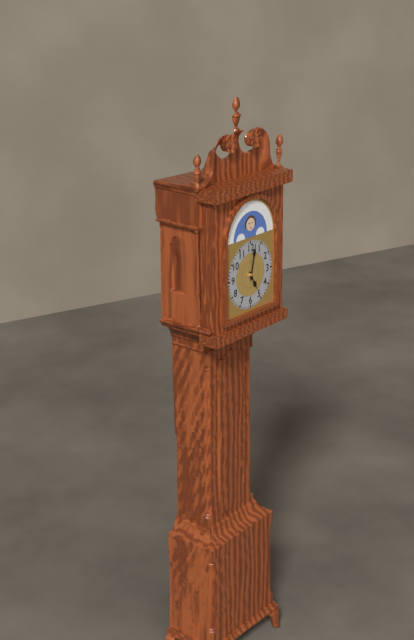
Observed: 5 h 02 min
